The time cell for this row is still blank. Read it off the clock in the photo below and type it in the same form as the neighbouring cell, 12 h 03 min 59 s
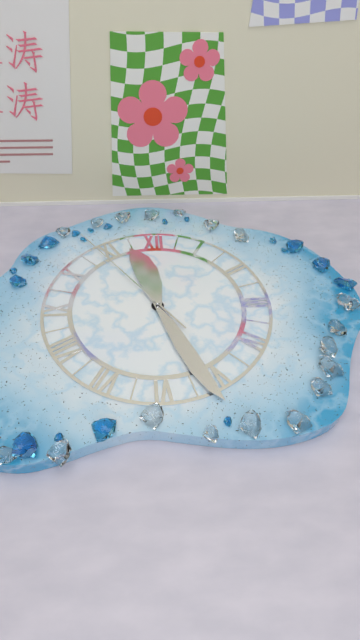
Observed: 11 h 26 min 54 s
